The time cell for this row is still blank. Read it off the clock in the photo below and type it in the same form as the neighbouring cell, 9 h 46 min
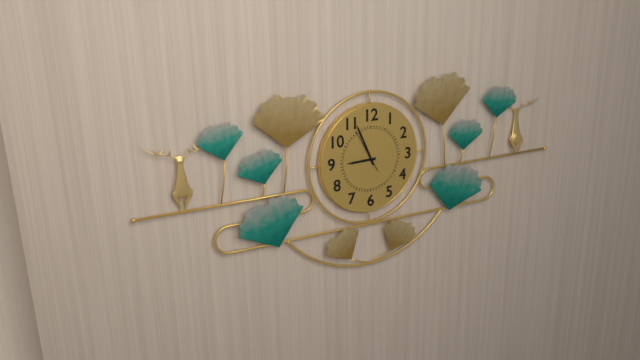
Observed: 8 h 56 min
